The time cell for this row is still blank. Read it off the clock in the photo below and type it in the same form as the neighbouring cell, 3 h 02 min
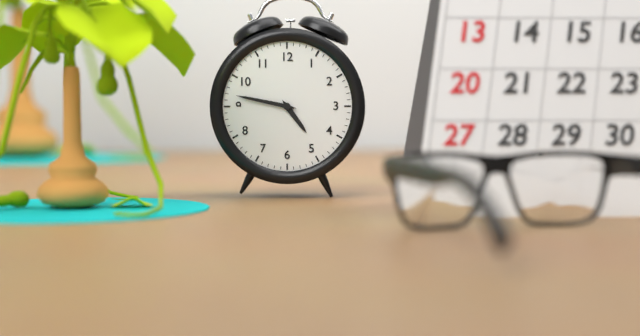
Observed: 4 h 47 min
